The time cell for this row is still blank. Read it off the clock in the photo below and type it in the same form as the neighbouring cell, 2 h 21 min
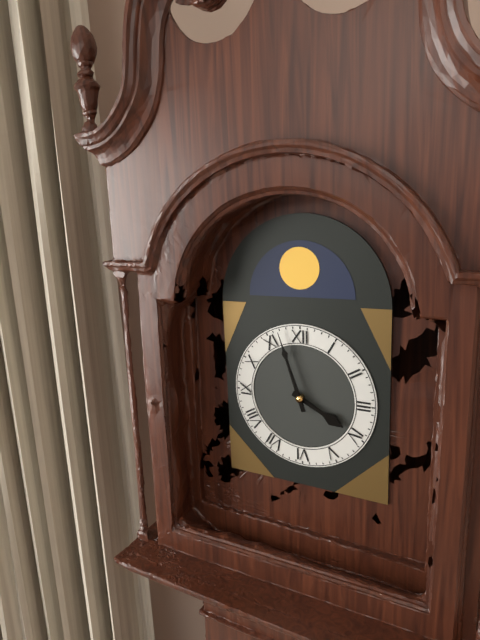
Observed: 3 h 57 min
